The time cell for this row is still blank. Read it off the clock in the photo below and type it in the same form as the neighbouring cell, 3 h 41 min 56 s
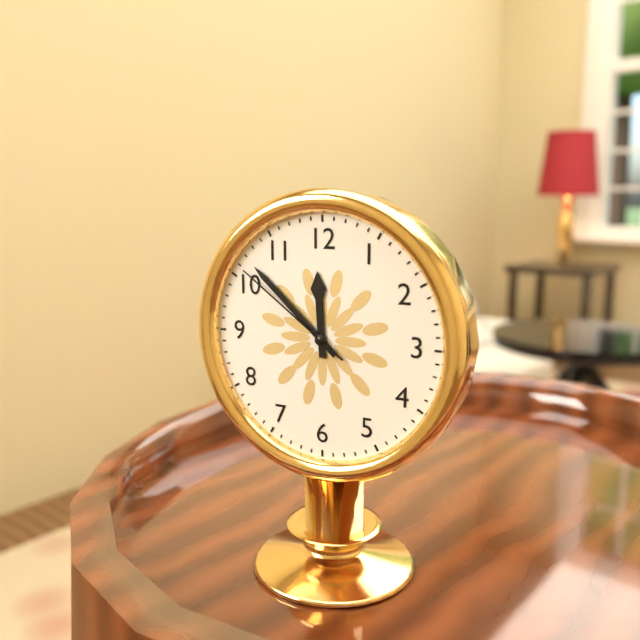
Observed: 11 h 52 min 51 s
